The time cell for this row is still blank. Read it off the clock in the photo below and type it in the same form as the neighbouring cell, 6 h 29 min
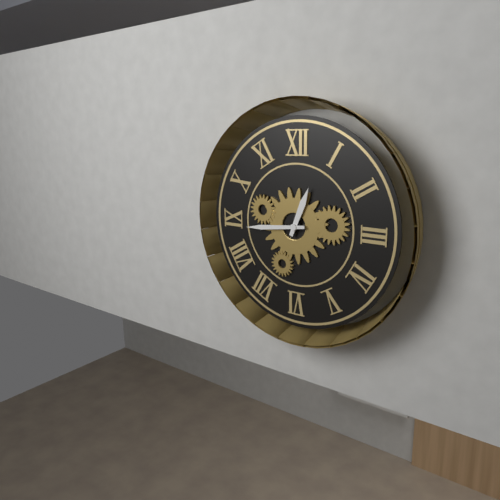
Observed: 12 h 44 min
